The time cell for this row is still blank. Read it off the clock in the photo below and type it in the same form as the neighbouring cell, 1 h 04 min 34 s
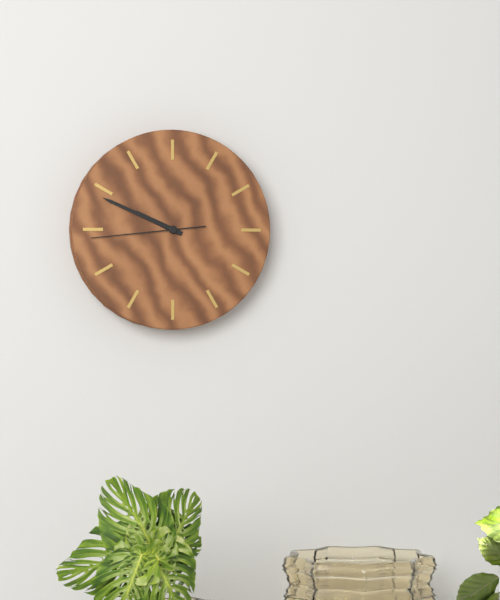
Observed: 9 h 49 min 44 s
